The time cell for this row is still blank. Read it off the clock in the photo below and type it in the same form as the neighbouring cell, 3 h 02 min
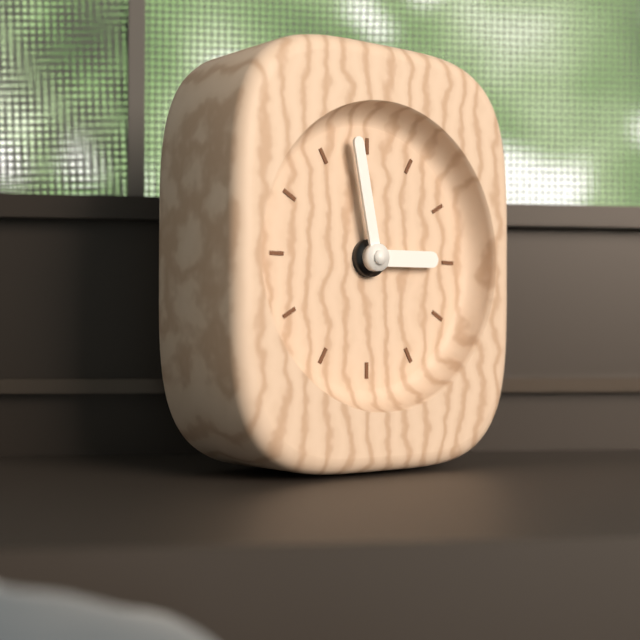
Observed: 2 h 58 min
